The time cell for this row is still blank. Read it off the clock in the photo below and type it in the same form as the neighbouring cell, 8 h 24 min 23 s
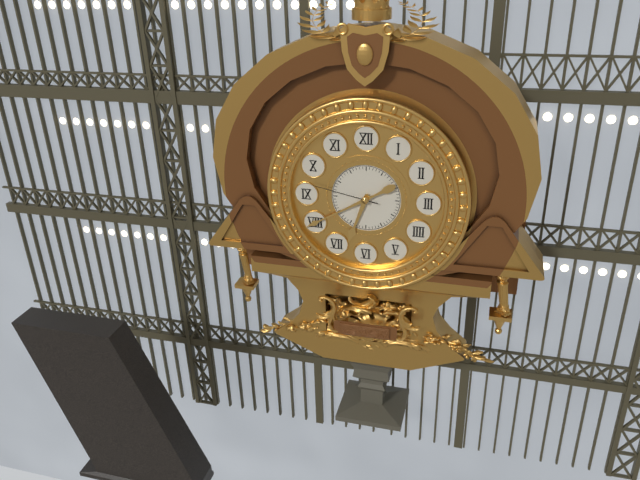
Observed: 6 h 40 min 47 s
